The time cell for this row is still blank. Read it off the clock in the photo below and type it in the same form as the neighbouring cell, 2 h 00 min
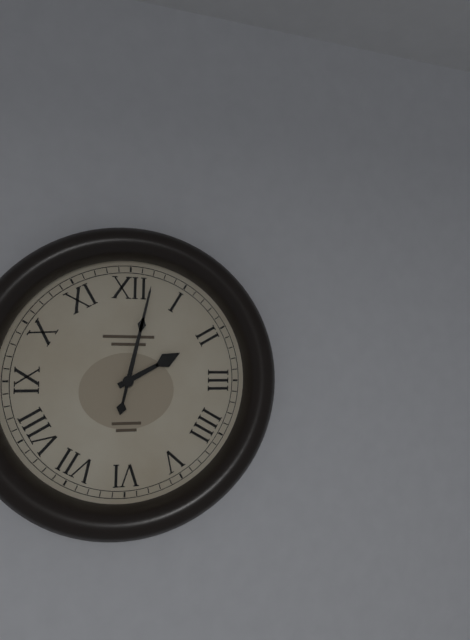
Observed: 2 h 02 min
